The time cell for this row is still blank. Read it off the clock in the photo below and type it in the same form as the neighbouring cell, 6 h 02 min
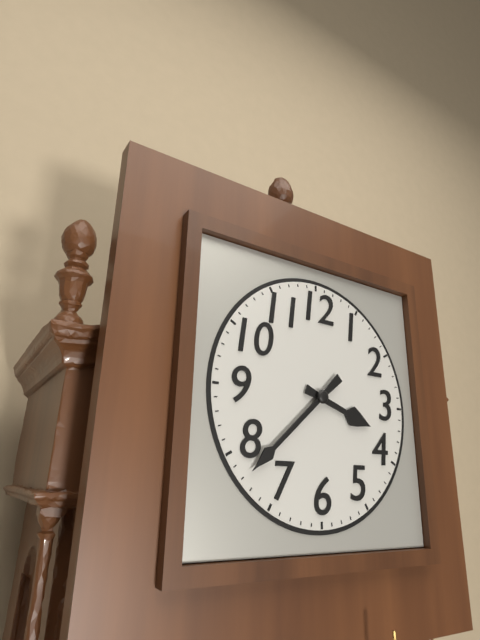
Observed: 3 h 38 min
